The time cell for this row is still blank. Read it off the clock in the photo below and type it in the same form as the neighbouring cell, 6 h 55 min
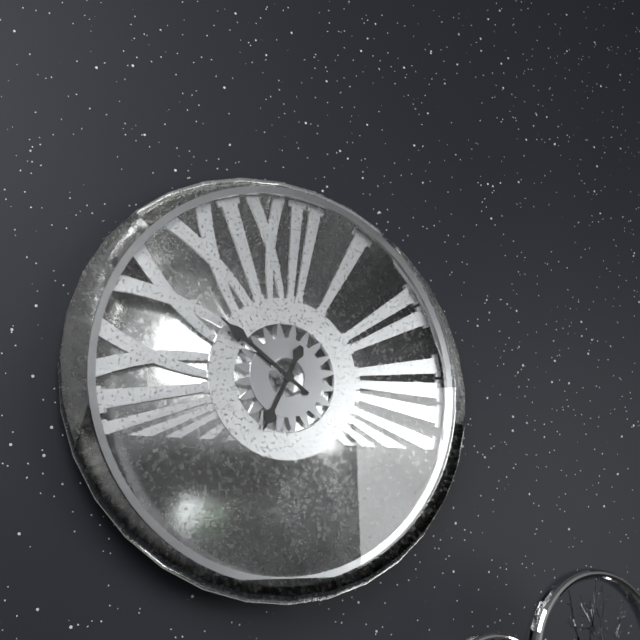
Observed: 6 h 51 min
